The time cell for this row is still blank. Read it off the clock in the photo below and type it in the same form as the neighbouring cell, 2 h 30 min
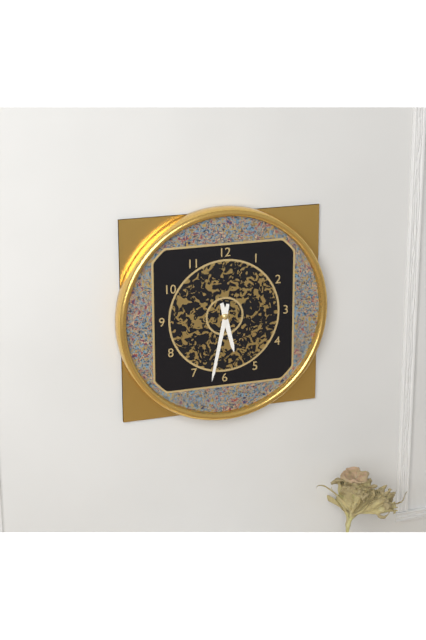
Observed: 5 h 32 min
